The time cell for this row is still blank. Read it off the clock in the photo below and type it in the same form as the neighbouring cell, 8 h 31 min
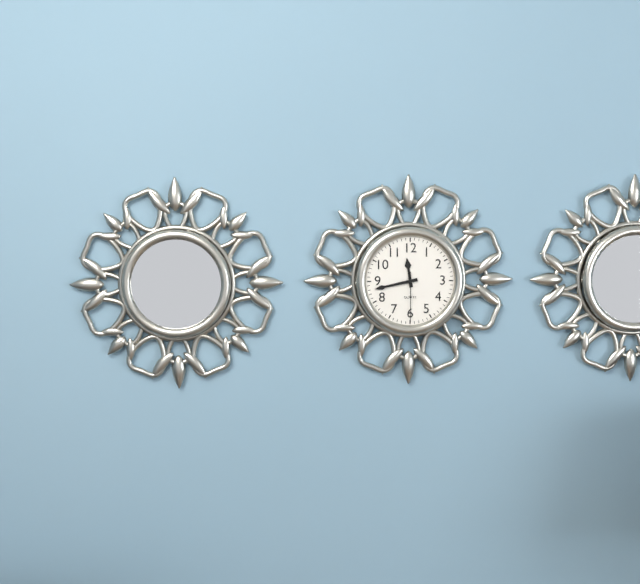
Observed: 11 h 43 min
